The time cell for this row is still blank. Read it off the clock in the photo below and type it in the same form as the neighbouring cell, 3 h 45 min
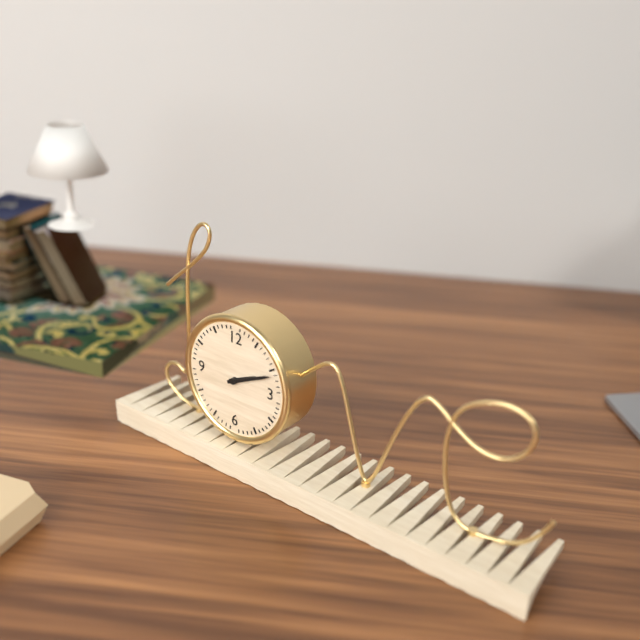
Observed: 2 h 11 min
